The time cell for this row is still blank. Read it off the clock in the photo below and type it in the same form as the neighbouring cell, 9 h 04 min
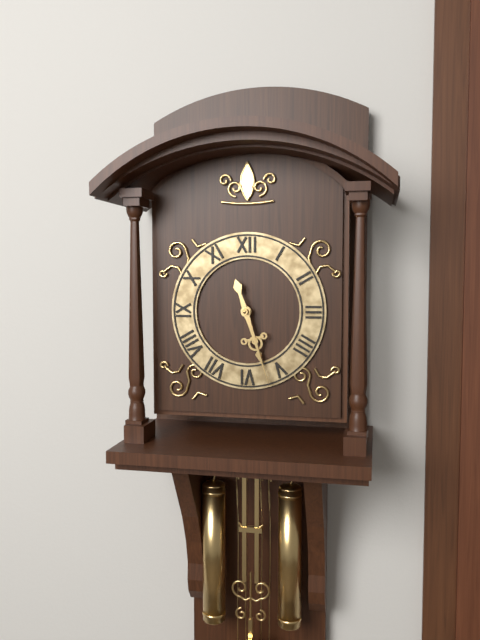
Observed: 5 h 27 min
